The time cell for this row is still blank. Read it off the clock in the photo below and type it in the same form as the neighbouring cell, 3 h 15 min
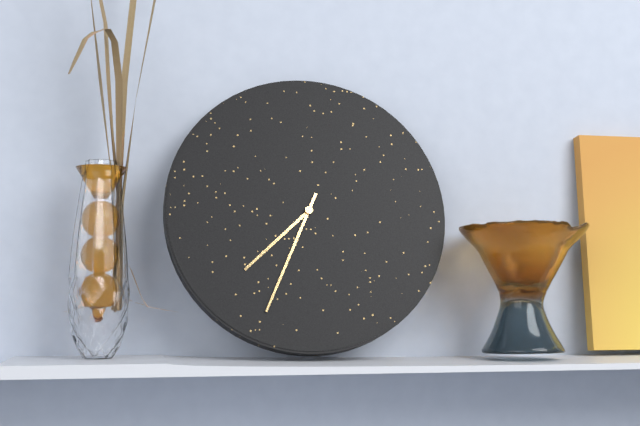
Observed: 7 h 34 min
